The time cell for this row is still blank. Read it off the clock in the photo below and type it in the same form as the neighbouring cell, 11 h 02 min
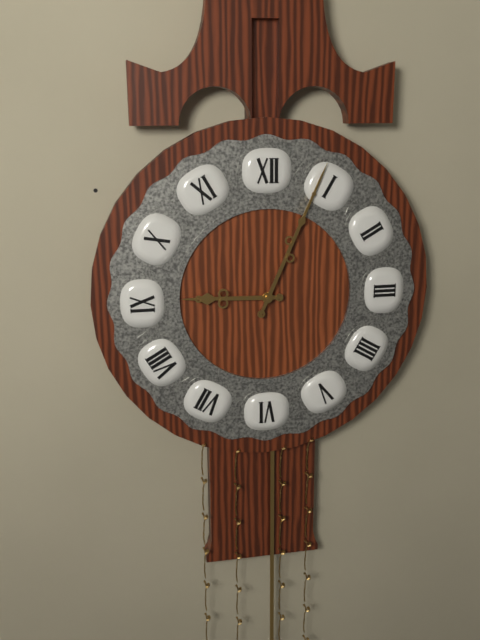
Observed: 9 h 04 min
